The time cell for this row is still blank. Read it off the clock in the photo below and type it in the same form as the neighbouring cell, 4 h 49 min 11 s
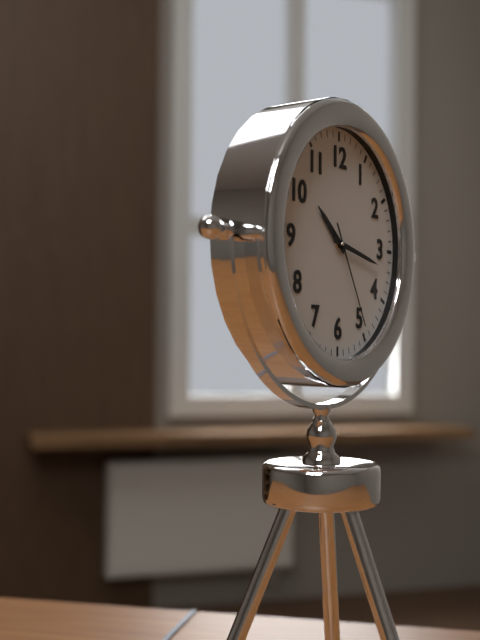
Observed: 10 h 17 min 25 s
